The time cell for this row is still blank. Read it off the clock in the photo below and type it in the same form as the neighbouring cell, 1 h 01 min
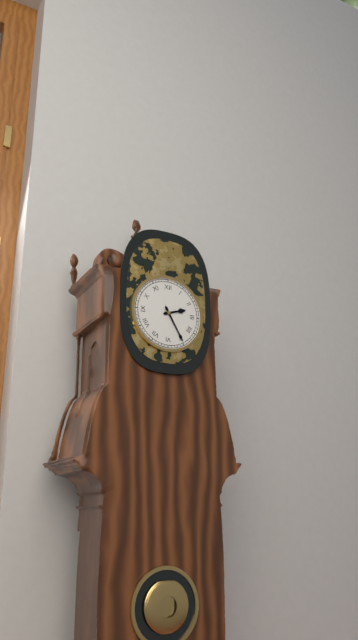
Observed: 2 h 25 min
